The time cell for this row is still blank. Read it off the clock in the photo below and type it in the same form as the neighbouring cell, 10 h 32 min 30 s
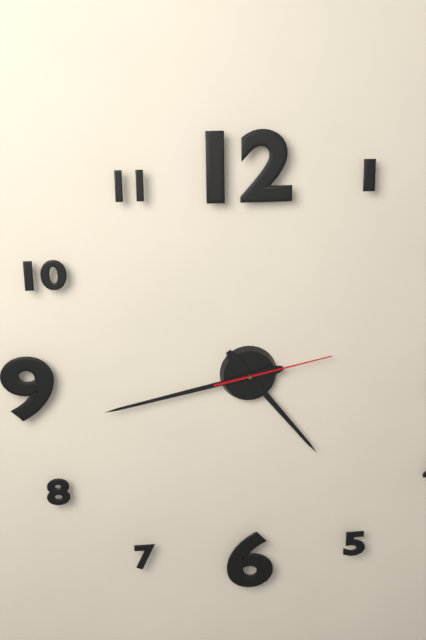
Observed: 4 h 43 min 13 s
